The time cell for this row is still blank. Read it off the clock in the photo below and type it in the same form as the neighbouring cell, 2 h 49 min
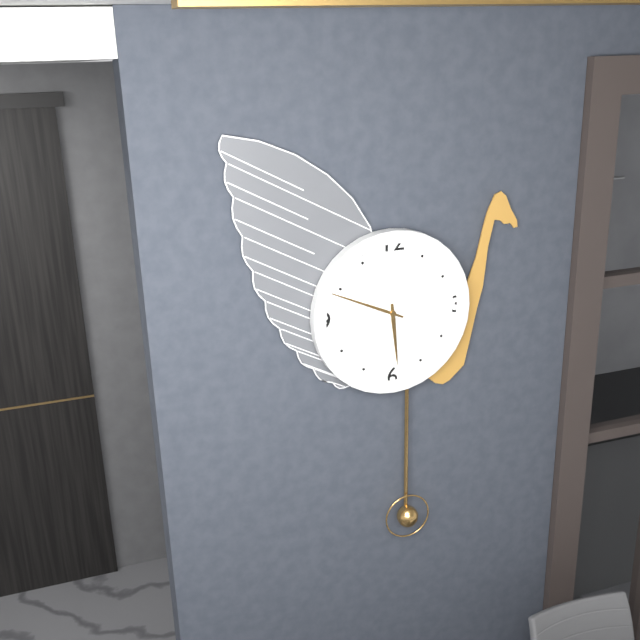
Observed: 5 h 49 min
